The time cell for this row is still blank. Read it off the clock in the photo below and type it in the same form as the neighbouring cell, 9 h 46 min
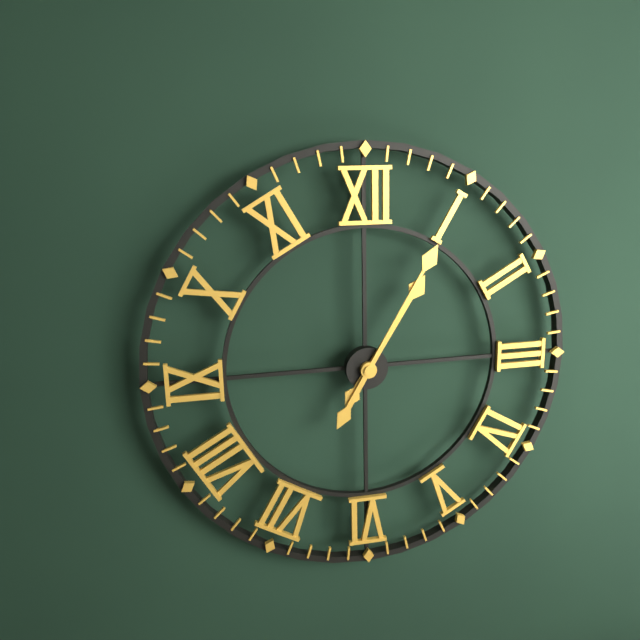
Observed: 1 h 05 min
